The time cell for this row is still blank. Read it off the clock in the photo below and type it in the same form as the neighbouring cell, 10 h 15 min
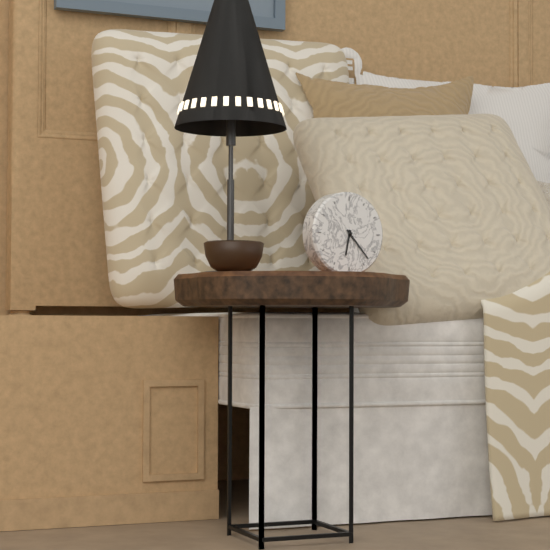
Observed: 6 h 23 min
